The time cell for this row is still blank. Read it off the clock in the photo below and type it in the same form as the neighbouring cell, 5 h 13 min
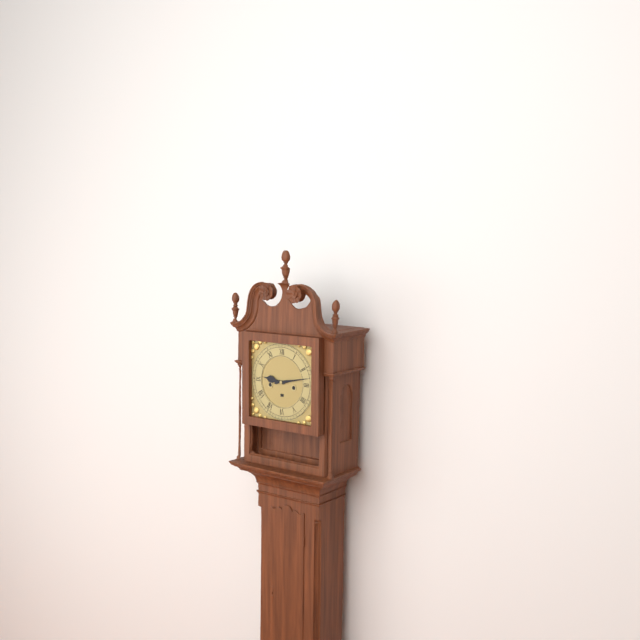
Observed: 9 h 13 min
